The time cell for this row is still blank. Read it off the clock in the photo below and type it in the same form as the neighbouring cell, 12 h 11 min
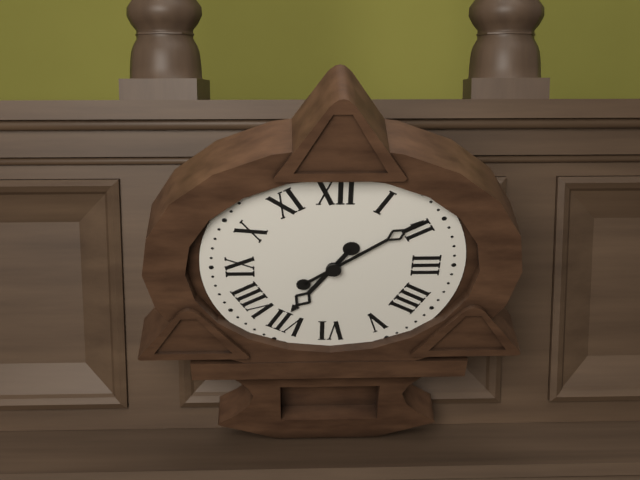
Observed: 7 h 09 min
